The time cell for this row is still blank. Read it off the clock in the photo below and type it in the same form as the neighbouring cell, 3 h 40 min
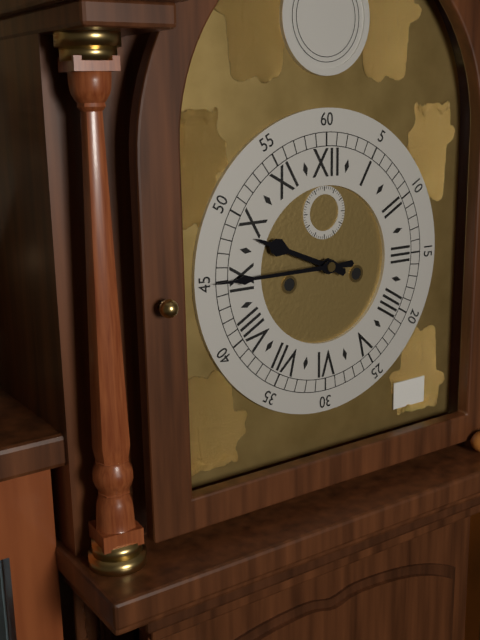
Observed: 9 h 45 min
